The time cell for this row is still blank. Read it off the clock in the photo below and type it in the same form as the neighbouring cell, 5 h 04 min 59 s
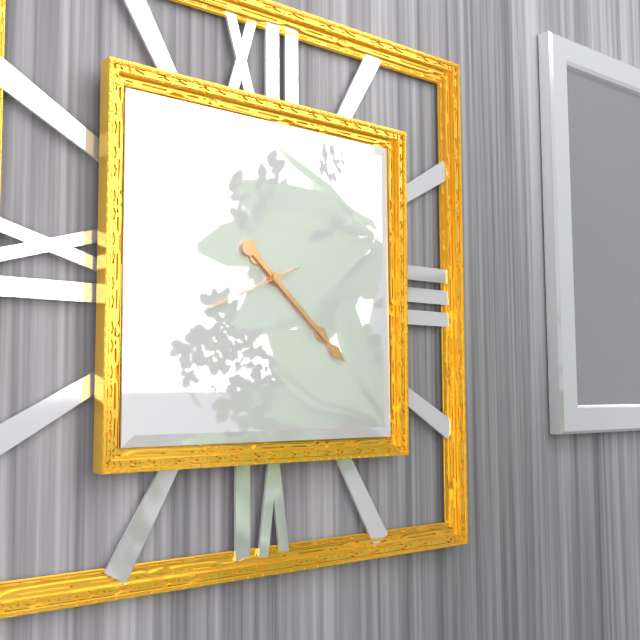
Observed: 4 h 22 min 41 s
